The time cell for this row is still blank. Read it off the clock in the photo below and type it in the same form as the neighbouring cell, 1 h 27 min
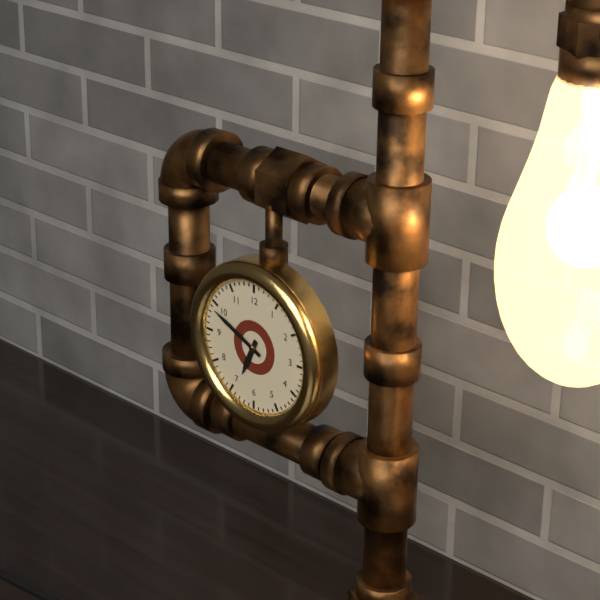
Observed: 6 h 49 min
